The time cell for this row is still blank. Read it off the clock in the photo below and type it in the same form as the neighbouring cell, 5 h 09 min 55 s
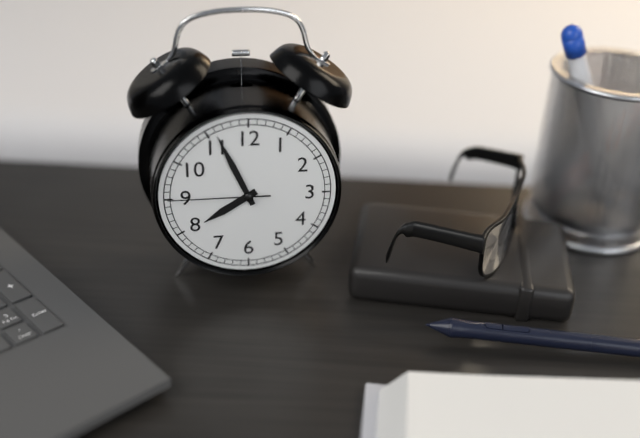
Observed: 7 h 56 min 45 s
